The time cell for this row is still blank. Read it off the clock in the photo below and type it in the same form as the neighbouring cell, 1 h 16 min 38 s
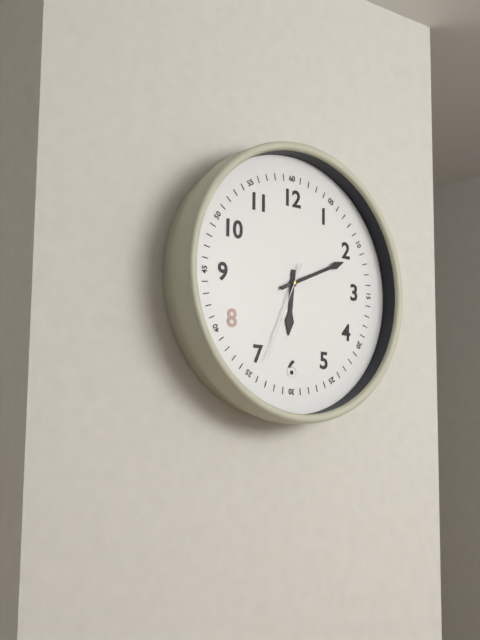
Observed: 6 h 11 min 34 s
